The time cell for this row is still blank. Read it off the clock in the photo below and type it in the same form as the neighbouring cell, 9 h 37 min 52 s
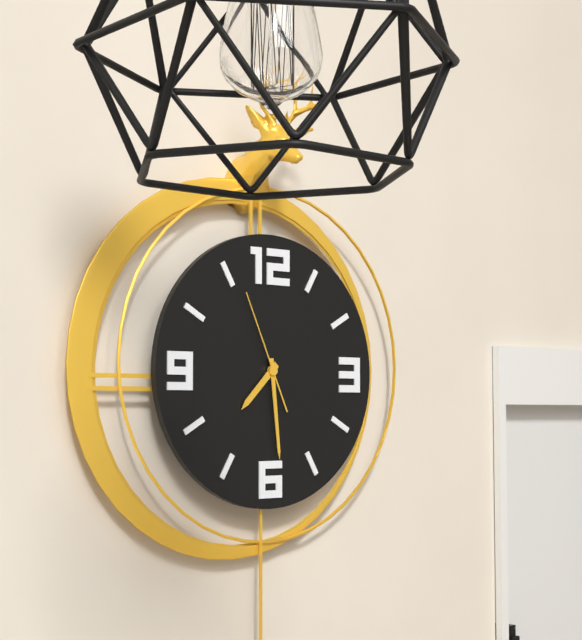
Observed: 7 h 29 min 56 s
